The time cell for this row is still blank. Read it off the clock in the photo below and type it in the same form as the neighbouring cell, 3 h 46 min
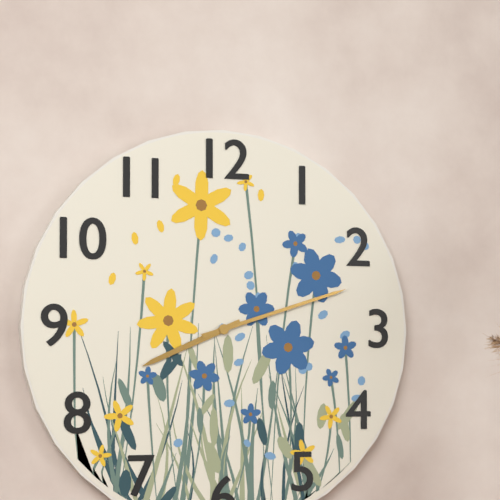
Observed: 8 h 12 min
